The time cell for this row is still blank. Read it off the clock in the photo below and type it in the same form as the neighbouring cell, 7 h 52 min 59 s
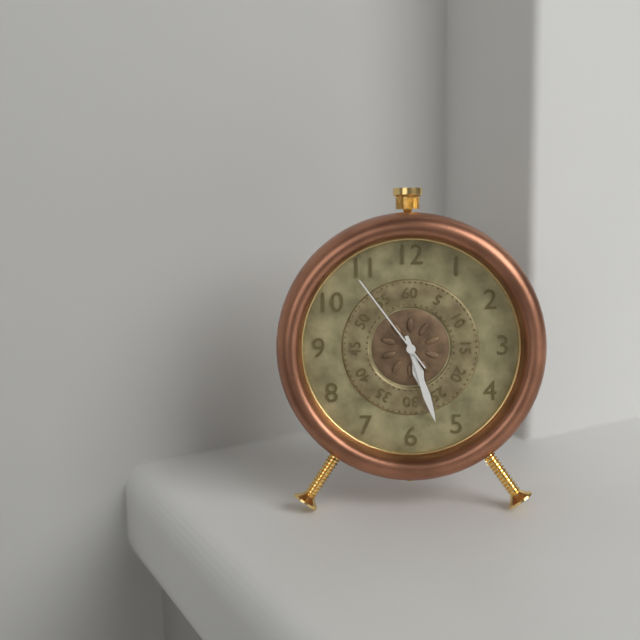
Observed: 5 h 27 min 54 s
